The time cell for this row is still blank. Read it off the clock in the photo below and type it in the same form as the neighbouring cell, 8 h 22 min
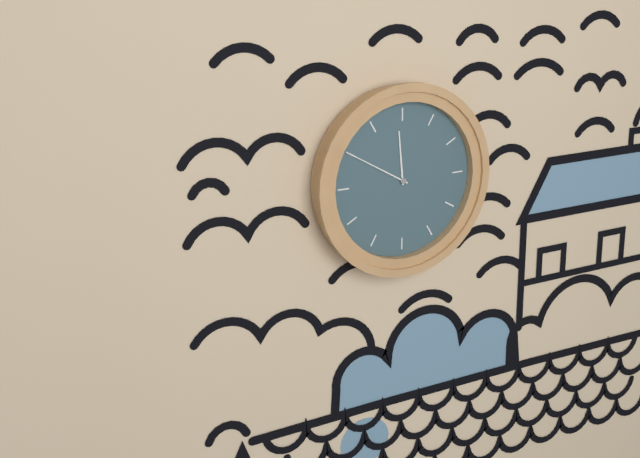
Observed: 11 h 50 min
